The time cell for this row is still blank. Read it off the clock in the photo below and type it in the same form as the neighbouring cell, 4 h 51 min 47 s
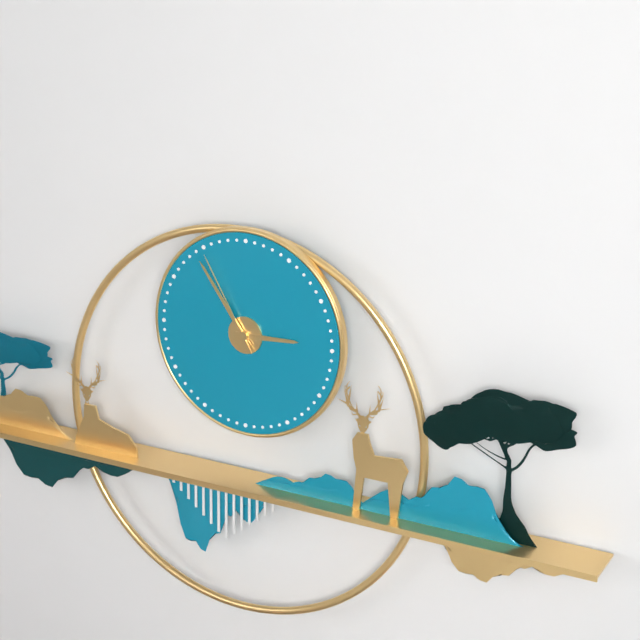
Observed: 2 h 54 min 55 s
